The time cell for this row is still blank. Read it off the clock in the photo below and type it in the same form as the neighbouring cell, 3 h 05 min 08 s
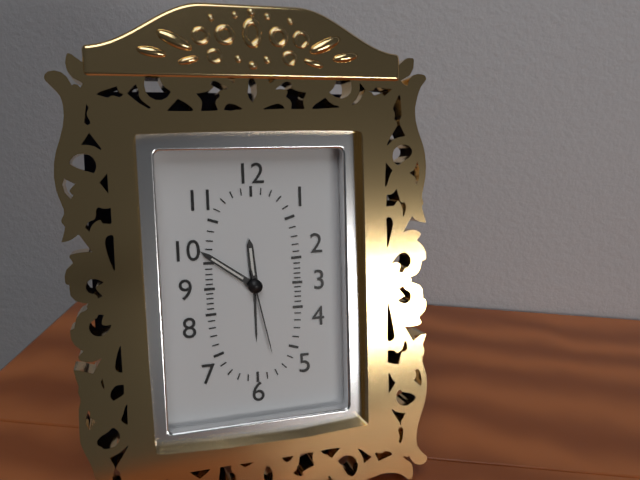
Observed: 11 h 51 min 28 s
